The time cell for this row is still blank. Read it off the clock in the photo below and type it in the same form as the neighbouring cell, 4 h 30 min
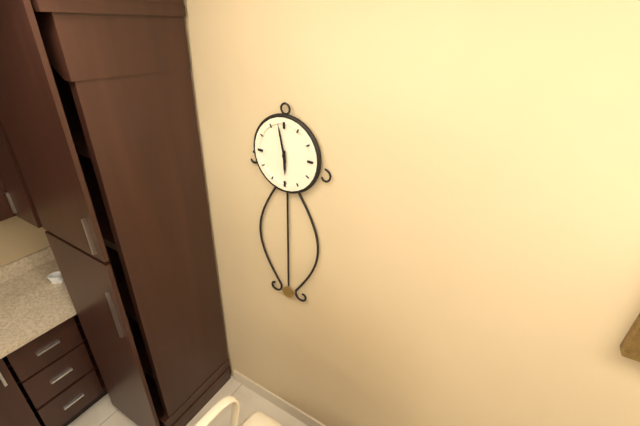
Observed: 5 h 58 min
